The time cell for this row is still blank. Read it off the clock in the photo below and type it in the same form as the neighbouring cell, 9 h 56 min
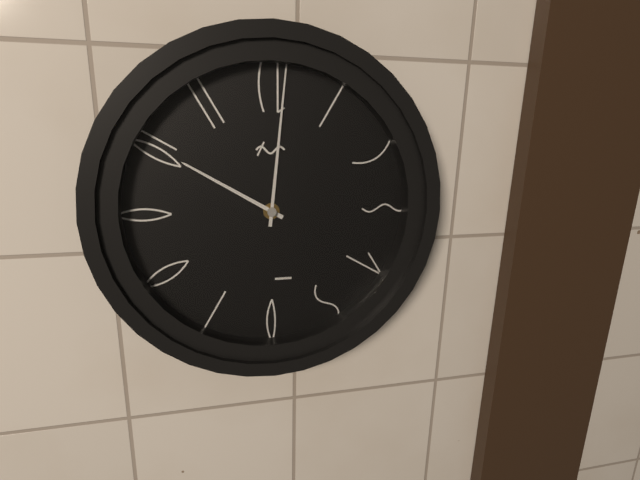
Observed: 10 h 01 min
